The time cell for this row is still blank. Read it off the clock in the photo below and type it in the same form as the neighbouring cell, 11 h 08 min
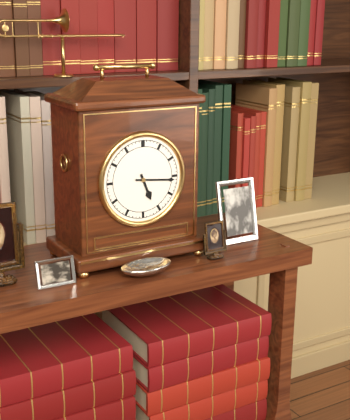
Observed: 5 h 16 min
